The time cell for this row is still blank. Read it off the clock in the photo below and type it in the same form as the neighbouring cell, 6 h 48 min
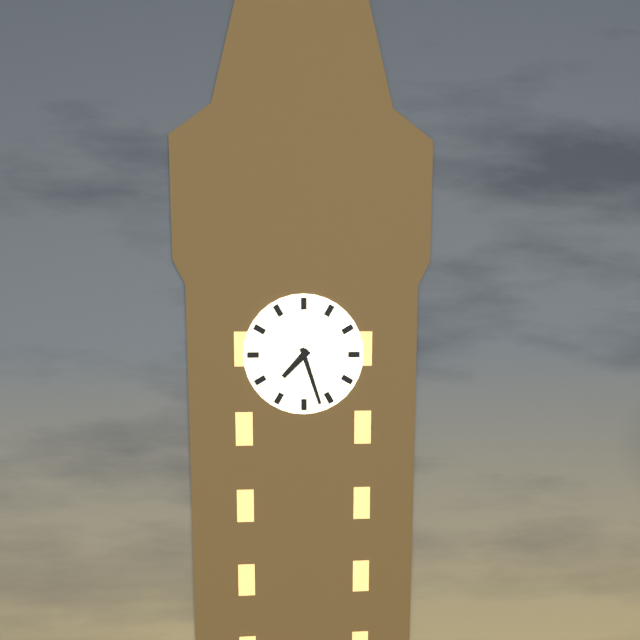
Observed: 7 h 27 min
